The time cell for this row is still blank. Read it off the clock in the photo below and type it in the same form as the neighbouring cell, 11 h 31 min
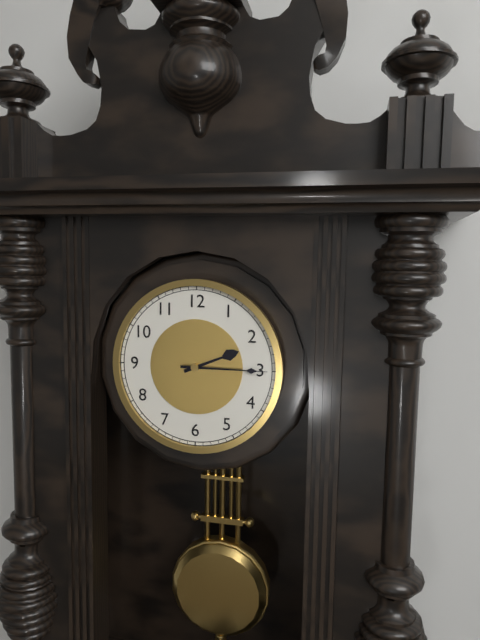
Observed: 2 h 15 min
